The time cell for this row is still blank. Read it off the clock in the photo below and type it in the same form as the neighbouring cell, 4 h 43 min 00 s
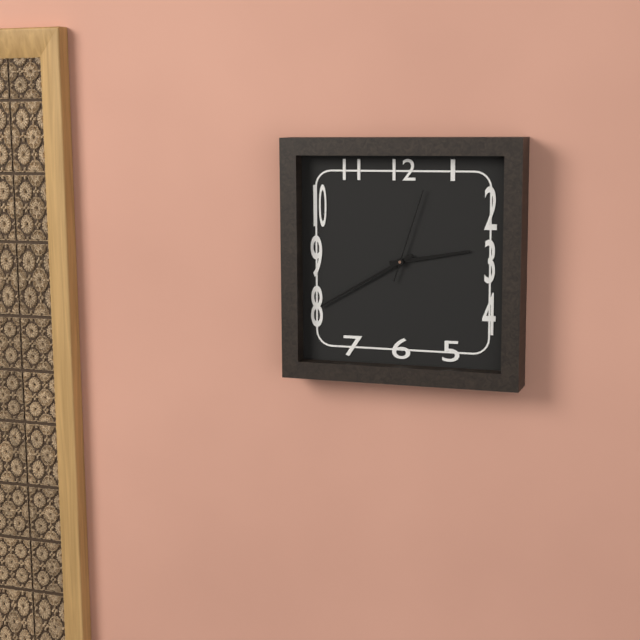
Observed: 2 h 40 min 03 s
